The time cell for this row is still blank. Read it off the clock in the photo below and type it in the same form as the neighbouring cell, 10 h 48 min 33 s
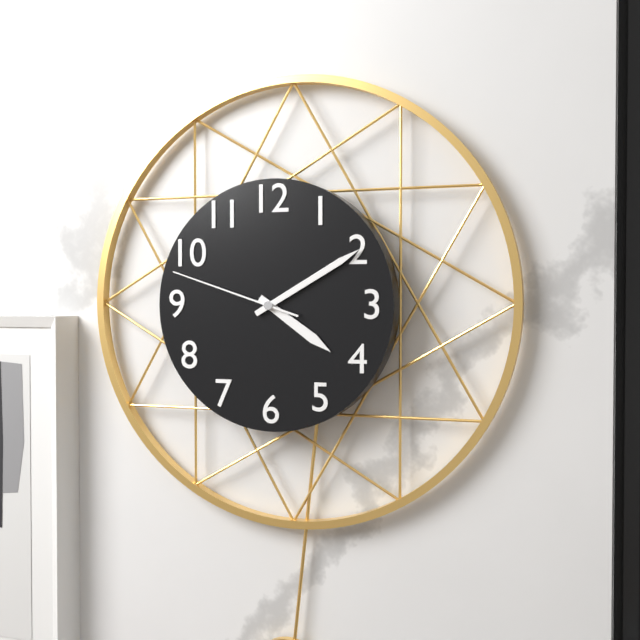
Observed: 4 h 10 min 48 s
